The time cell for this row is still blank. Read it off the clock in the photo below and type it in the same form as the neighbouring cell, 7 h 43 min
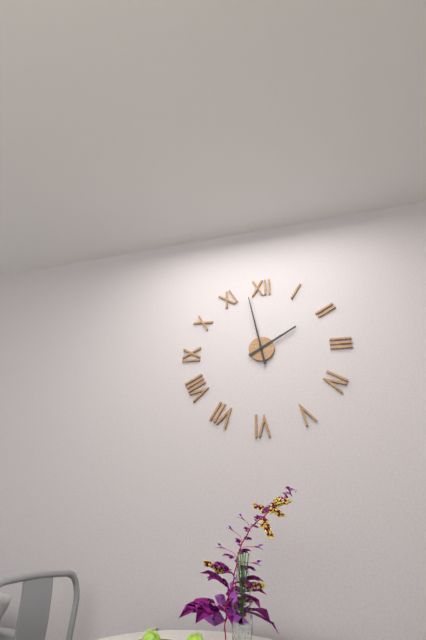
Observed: 1 h 58 min
